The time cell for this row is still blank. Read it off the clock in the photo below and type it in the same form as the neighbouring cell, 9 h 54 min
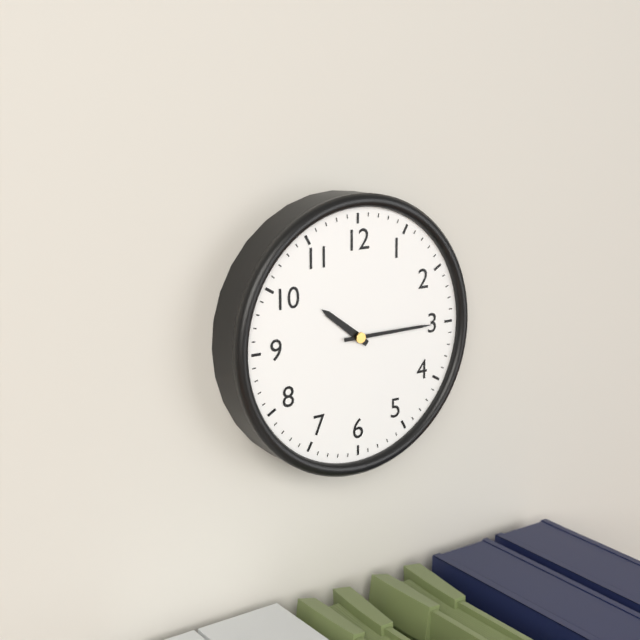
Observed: 10 h 15 min
